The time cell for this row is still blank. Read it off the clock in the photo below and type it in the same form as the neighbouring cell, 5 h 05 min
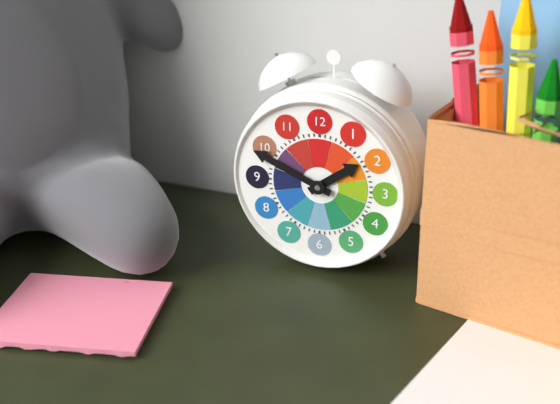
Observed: 1 h 49 min
